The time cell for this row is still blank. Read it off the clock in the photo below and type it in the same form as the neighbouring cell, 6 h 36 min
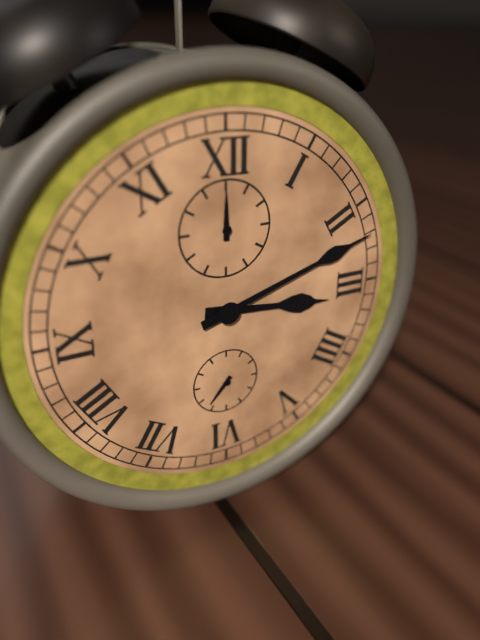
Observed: 3 h 12 min
